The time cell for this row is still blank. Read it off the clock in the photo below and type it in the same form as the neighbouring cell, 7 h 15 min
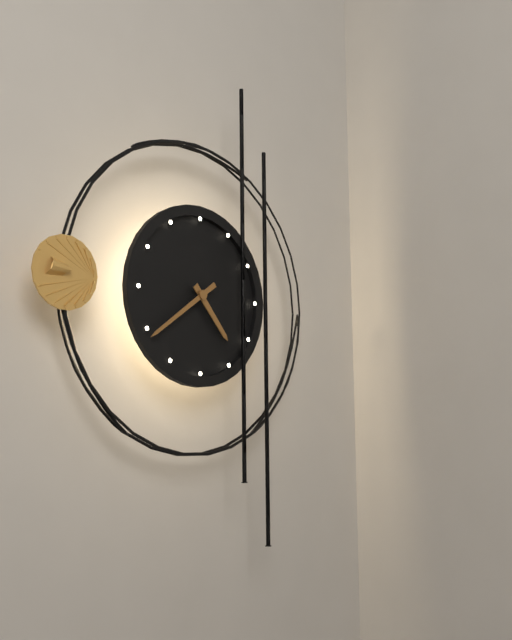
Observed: 4 h 39 min
